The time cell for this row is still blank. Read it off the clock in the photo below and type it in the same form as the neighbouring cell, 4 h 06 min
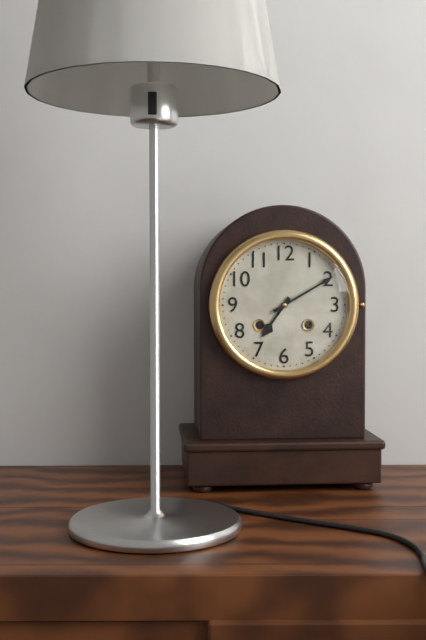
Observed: 7 h 10 min
